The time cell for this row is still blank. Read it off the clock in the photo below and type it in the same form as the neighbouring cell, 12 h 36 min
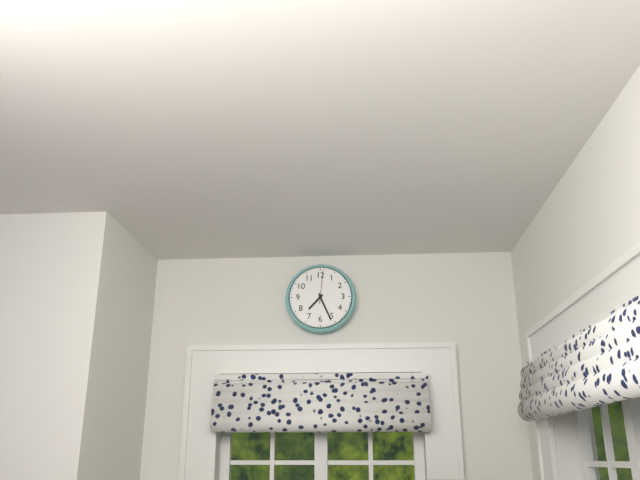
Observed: 7 h 26 min
